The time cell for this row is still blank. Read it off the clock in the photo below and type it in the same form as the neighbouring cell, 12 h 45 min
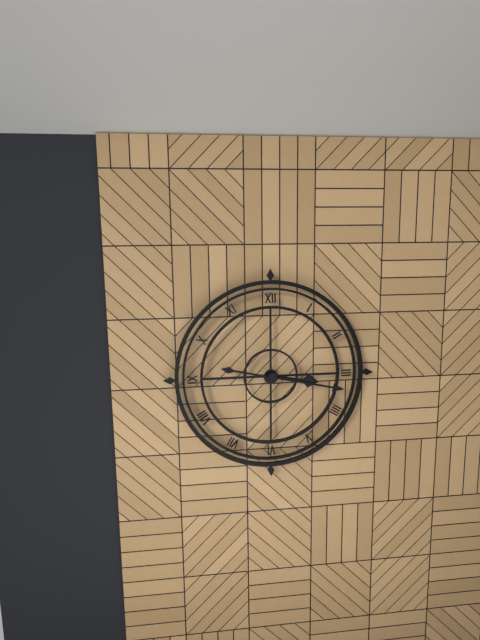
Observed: 3 h 17 min
